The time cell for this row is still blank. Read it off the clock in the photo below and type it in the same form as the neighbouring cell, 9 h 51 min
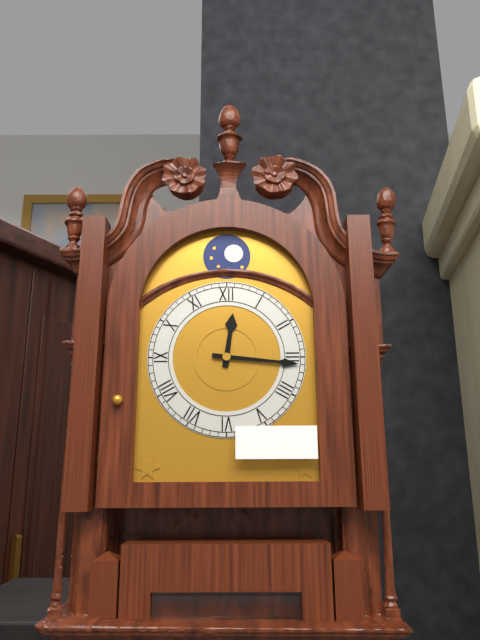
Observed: 12 h 16 min
